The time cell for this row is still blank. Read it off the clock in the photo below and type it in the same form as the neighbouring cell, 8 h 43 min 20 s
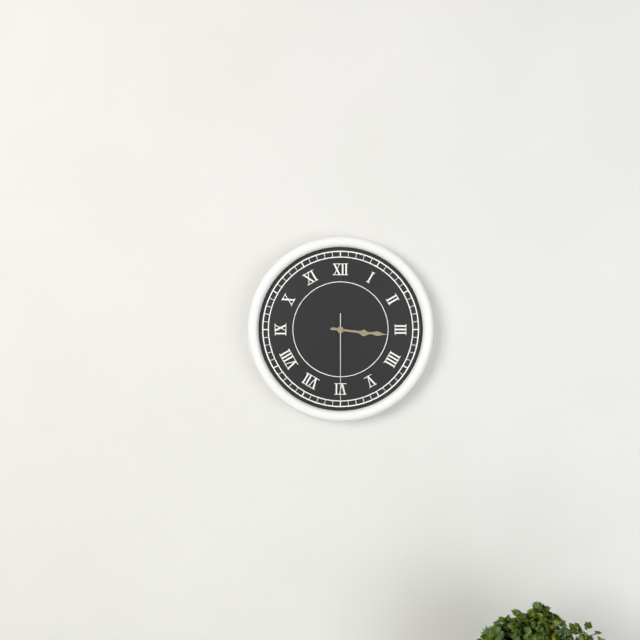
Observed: 3 h 16 min 30 s
